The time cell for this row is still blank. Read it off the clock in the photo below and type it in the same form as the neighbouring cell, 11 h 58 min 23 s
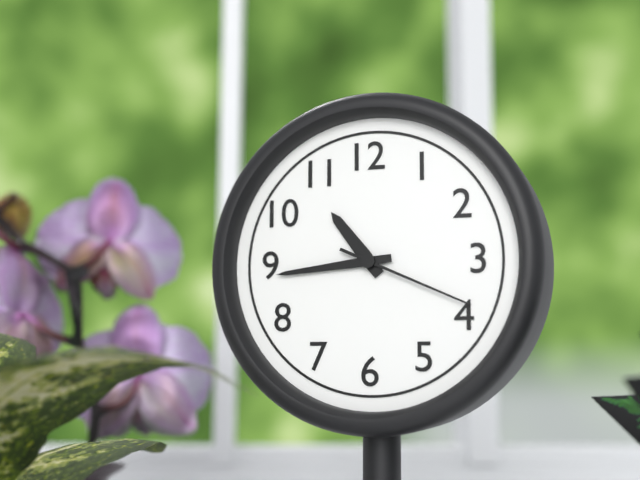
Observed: 10 h 44 min 19 s
